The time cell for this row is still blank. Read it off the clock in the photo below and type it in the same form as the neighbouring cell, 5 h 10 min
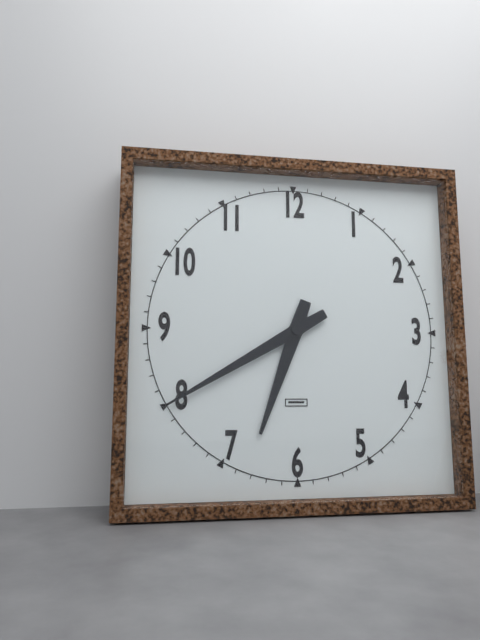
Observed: 6 h 40 min
